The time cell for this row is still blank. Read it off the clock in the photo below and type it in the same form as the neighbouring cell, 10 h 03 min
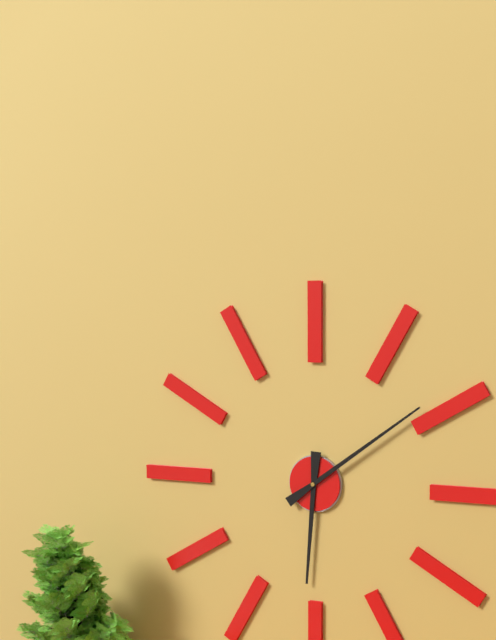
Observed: 6 h 09 min
